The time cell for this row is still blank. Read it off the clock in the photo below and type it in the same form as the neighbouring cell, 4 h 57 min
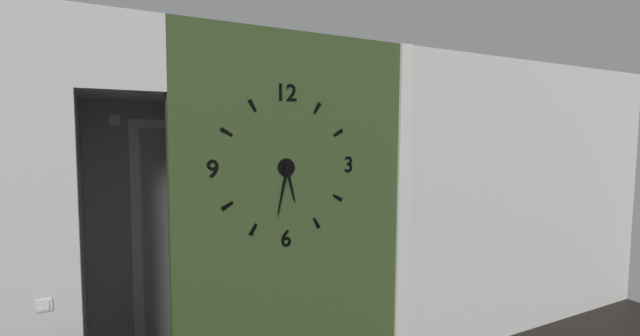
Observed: 5 h 32 min
